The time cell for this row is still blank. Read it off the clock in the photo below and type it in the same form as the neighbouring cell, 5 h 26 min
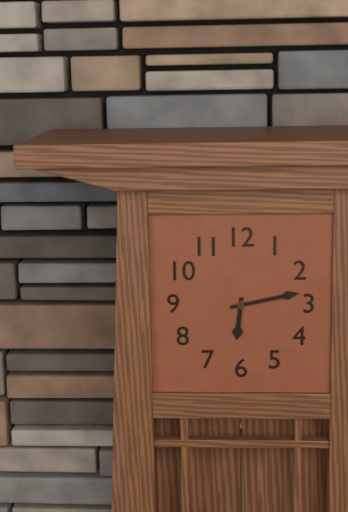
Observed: 6 h 13 min
